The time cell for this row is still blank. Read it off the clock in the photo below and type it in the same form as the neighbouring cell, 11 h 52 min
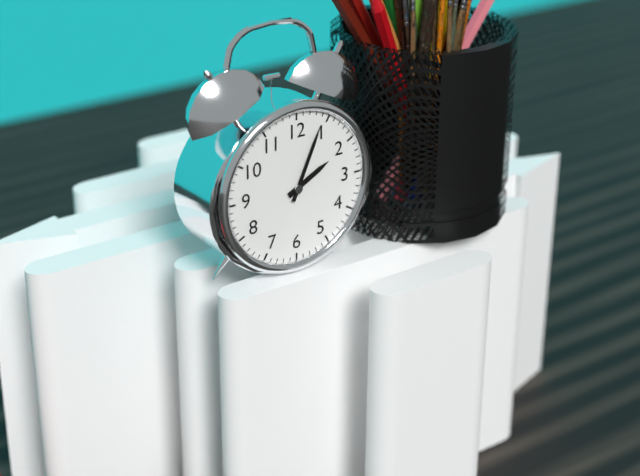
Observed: 2 h 04 min
